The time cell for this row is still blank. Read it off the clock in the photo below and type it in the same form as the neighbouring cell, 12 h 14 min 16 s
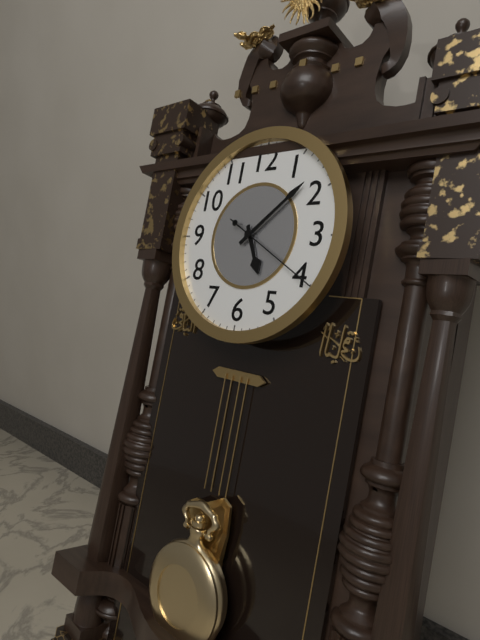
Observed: 5 h 08 min 20 s
